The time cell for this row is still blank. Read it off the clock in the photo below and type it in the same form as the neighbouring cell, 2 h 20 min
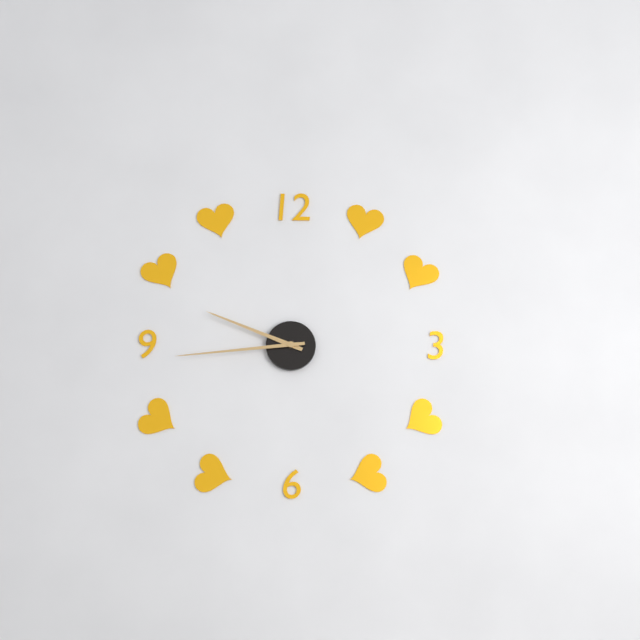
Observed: 9 h 44 min
